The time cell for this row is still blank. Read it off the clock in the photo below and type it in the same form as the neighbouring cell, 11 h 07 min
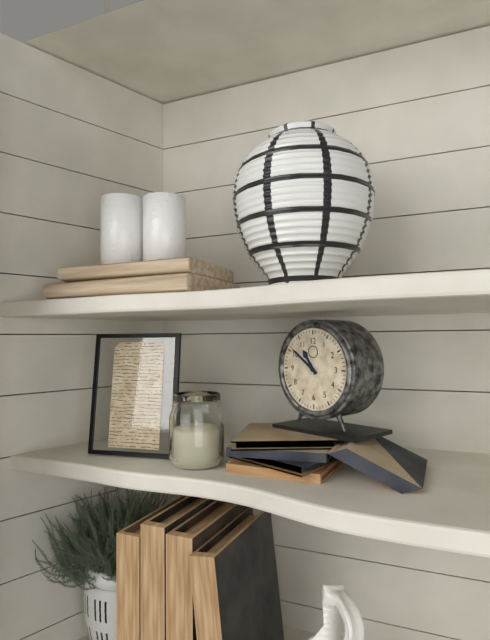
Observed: 10 h 51 min
